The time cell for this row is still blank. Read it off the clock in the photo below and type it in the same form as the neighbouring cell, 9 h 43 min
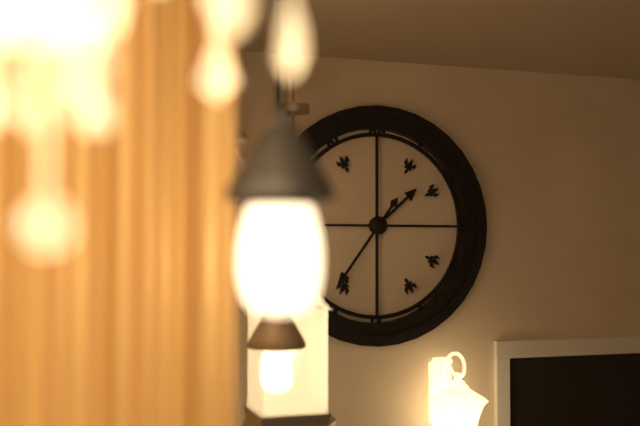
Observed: 1 h 36 min
